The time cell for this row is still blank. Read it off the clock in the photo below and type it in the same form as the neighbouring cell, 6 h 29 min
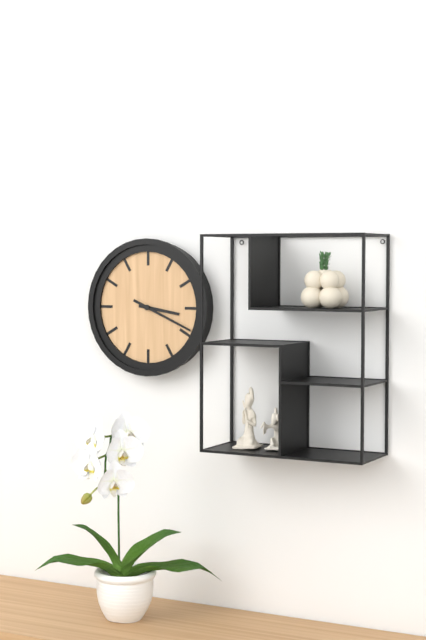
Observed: 3 h 19 min
